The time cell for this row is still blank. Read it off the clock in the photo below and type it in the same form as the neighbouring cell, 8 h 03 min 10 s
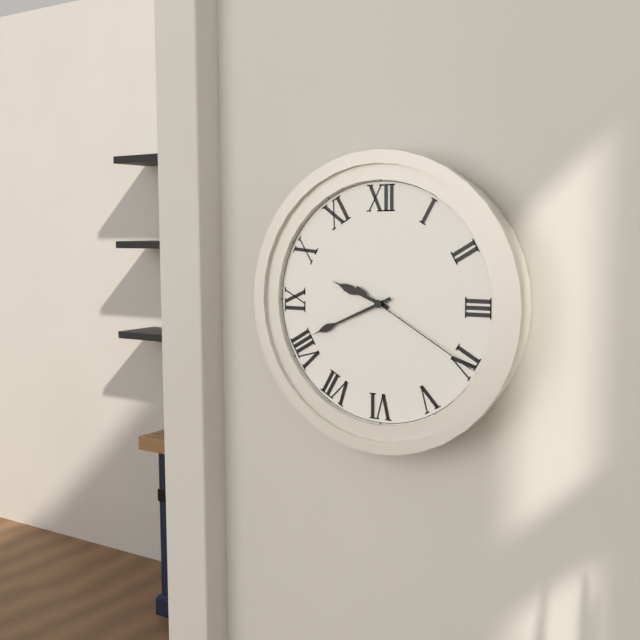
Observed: 9 h 41 min 20 s
